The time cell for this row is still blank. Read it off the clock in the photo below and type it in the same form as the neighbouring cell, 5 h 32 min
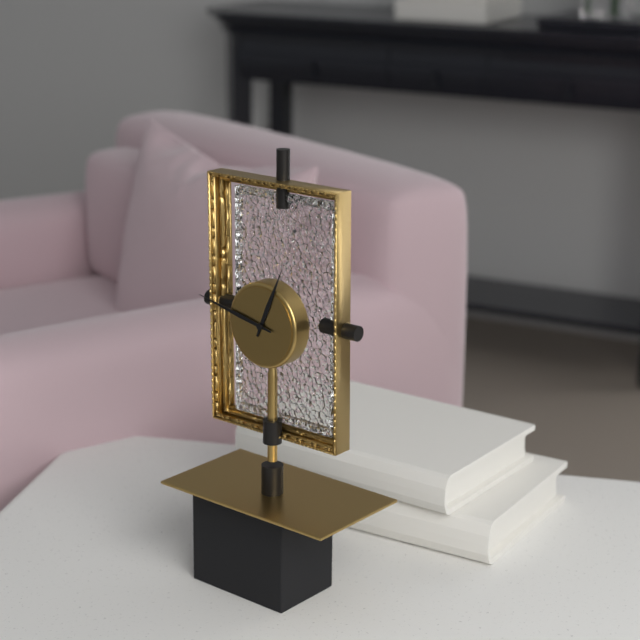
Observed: 12 h 47 min
